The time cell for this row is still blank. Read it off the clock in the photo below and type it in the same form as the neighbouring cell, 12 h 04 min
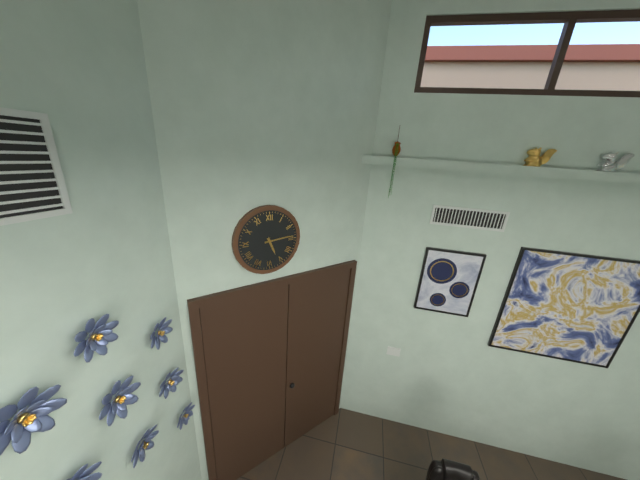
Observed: 5 h 14 min
